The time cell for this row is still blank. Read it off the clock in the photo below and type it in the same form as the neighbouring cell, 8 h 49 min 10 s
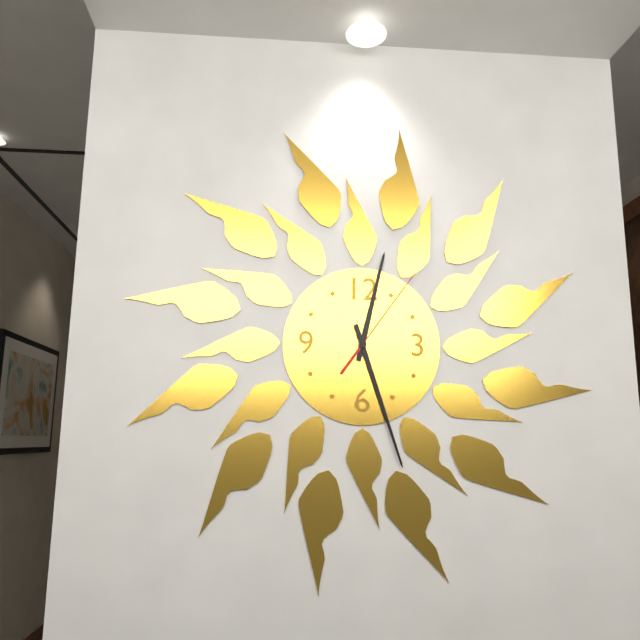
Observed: 12 h 27 min 06 s
